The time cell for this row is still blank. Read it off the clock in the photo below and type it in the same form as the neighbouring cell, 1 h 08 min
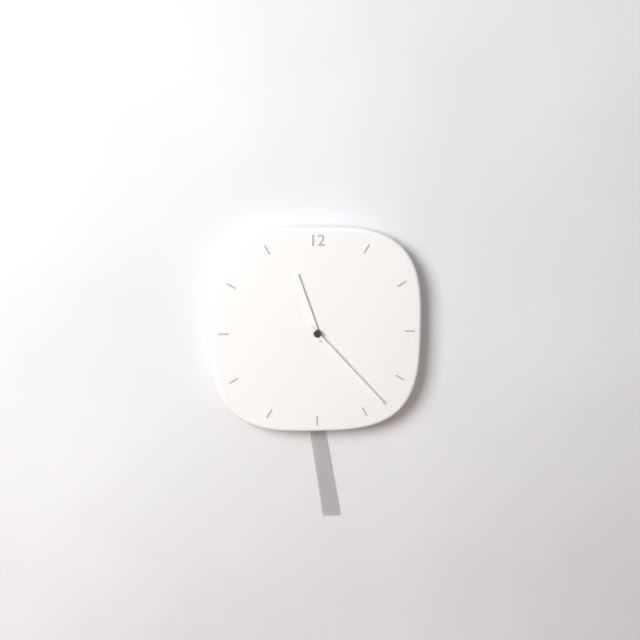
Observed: 11 h 23 min
